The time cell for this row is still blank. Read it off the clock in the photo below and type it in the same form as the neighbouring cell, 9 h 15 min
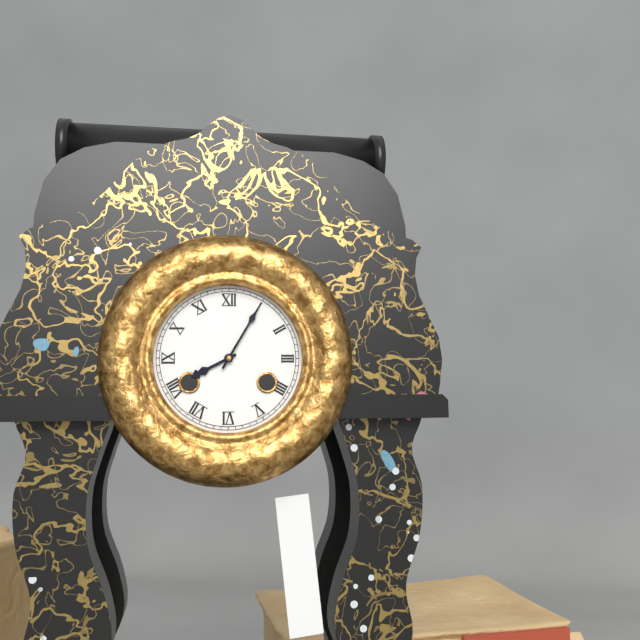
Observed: 8 h 05 min
